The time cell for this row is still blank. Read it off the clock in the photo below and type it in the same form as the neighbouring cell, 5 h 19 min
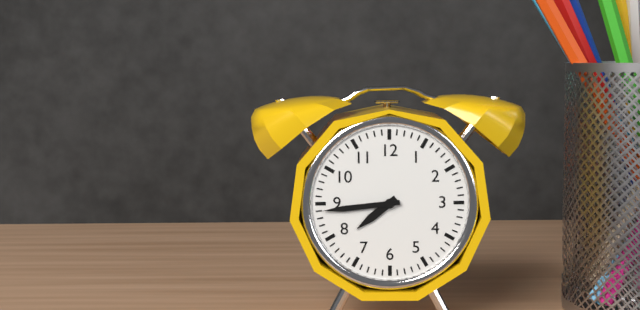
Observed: 7 h 44 min
